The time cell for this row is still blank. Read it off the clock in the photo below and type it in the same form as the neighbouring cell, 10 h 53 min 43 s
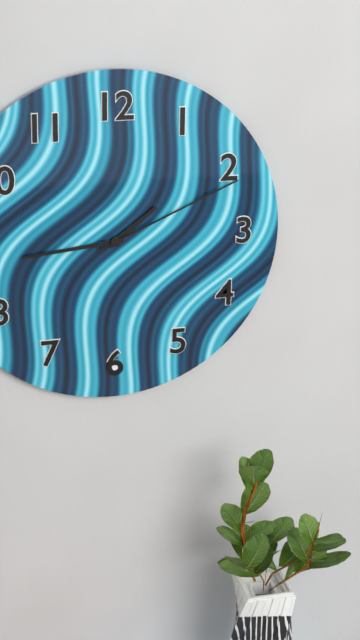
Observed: 1 h 44 min 11 s
